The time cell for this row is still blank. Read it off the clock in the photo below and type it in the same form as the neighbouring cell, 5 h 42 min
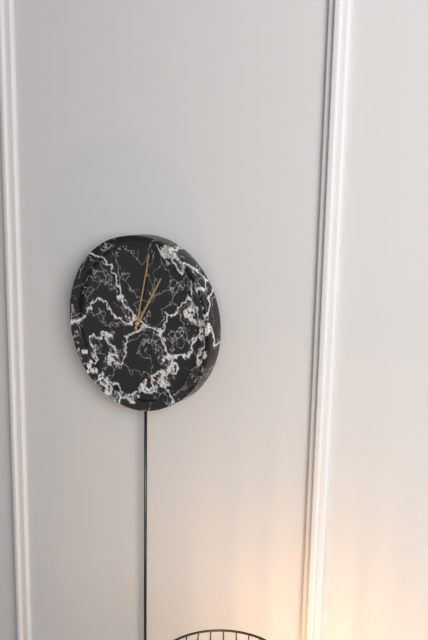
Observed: 1 h 02 min
